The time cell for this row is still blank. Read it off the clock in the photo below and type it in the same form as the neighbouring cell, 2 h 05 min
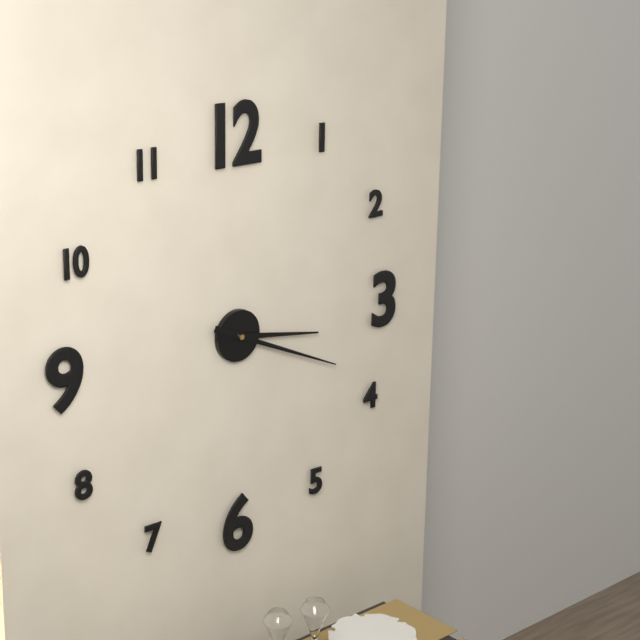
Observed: 3 h 19 min
